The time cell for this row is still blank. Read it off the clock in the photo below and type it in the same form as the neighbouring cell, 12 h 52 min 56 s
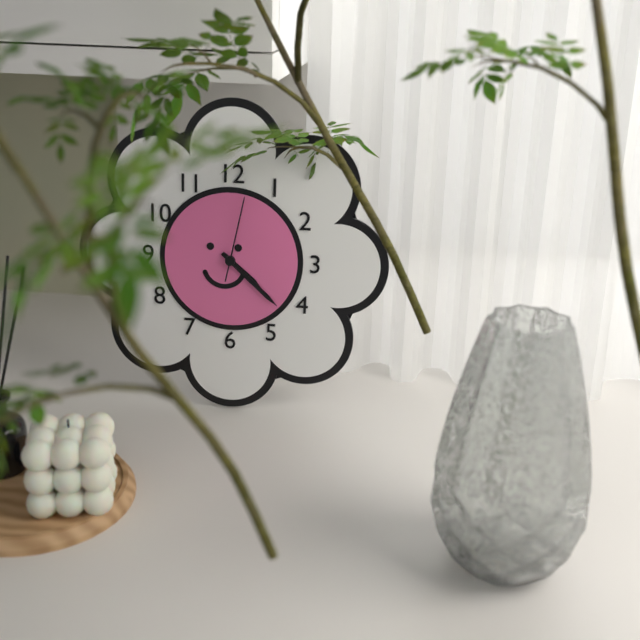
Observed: 4 h 22 min 02 s
